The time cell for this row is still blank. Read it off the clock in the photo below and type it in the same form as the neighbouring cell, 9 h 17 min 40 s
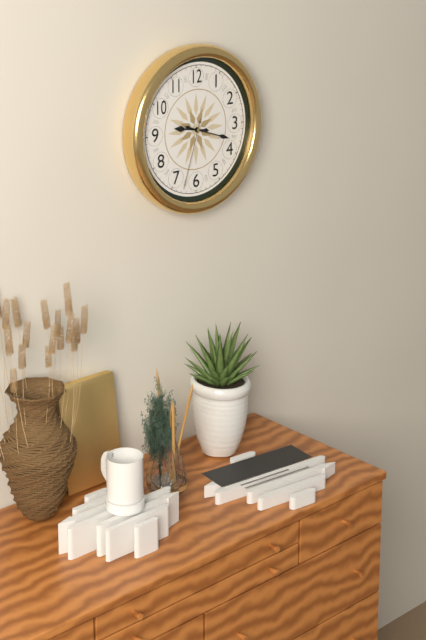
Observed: 9 h 18 min 33 s
